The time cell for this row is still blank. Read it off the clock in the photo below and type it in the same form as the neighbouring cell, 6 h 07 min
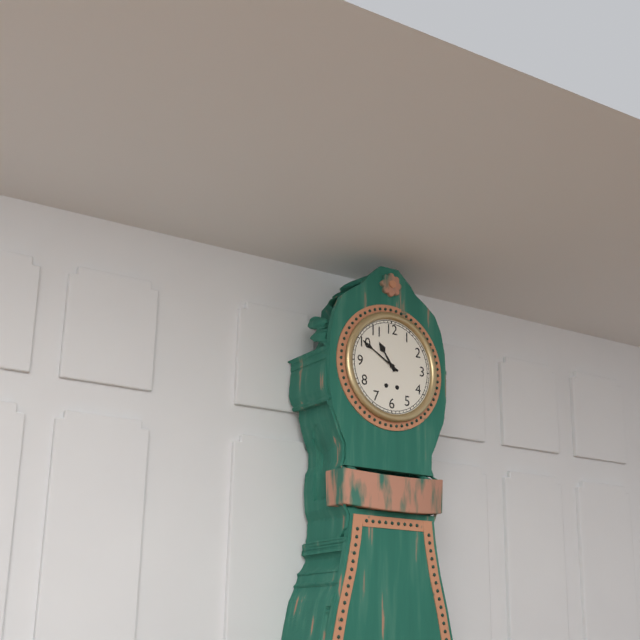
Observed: 10 h 50 min
